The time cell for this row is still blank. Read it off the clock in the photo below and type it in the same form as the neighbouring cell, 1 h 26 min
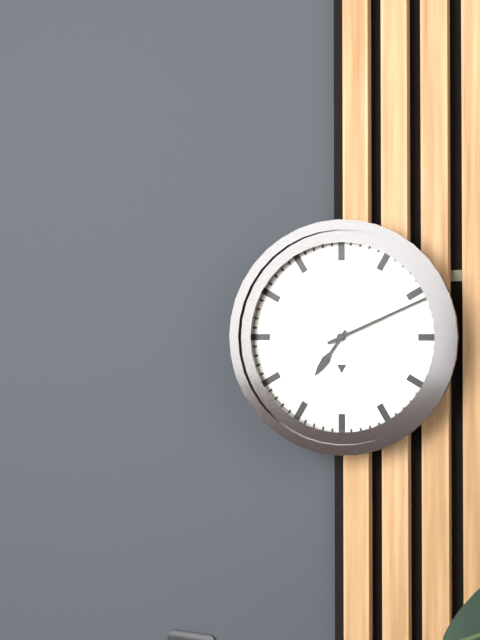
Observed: 7 h 11 min
